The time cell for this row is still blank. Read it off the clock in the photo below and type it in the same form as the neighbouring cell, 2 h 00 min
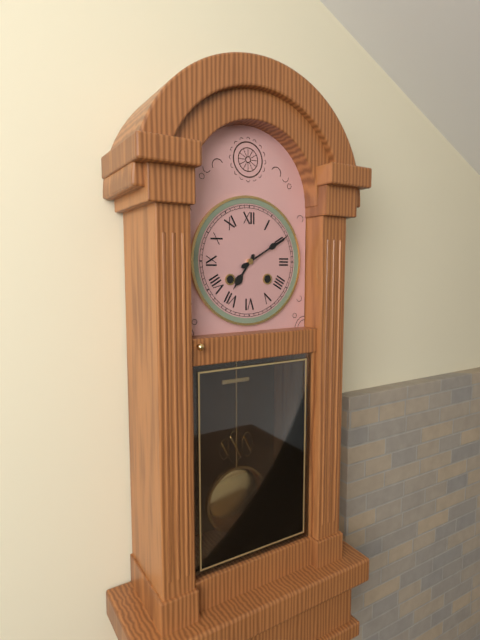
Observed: 7 h 10 min
